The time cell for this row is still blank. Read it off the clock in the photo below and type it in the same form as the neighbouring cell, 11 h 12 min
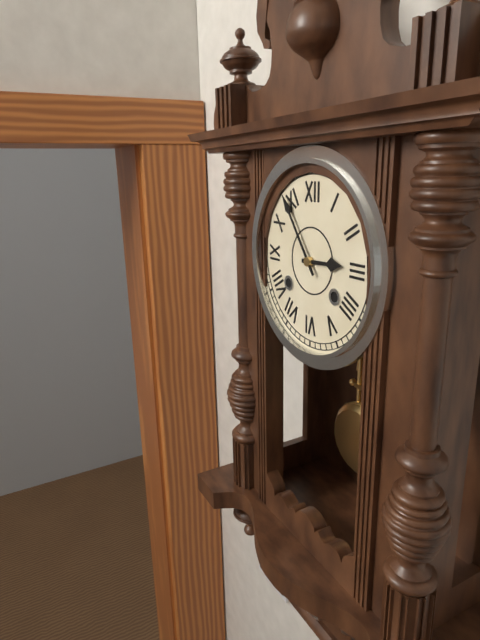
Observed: 2 h 54 min
